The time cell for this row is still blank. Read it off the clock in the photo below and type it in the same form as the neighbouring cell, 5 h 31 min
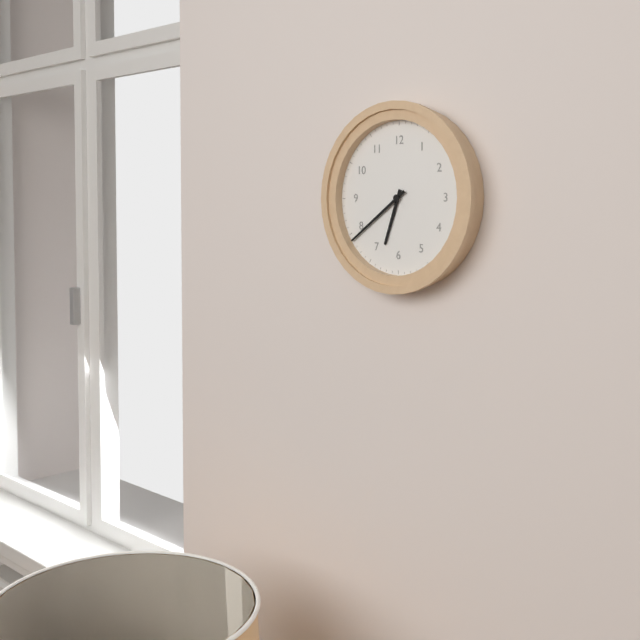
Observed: 6 h 39 min
